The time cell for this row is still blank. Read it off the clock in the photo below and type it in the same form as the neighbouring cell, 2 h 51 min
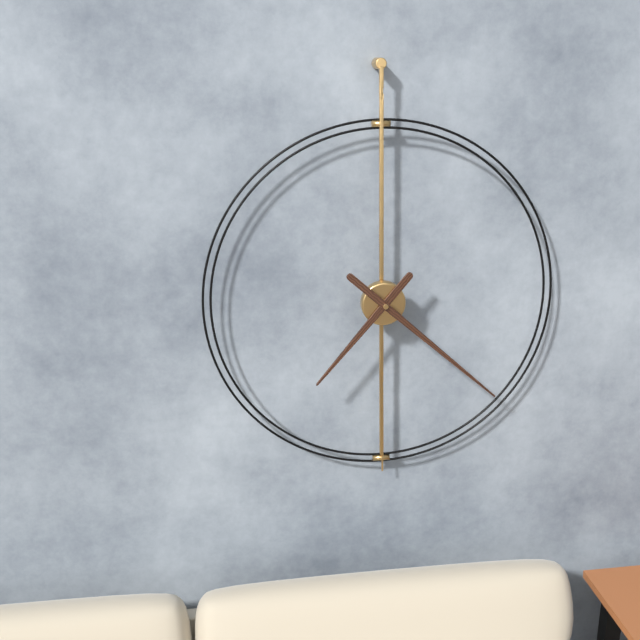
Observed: 7 h 22 min
